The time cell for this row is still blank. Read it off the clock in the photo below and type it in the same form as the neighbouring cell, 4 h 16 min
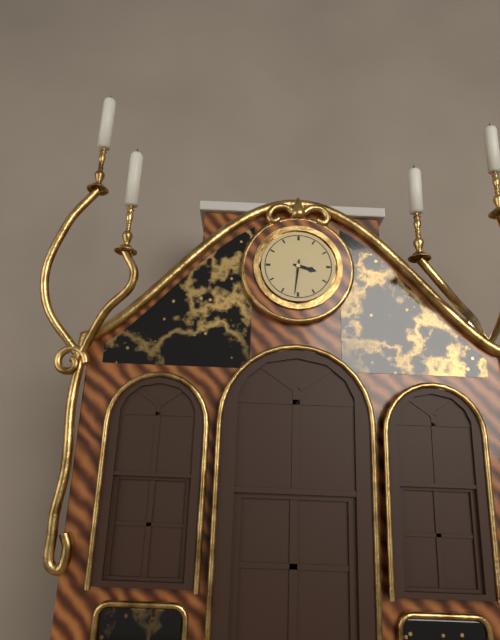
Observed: 3 h 31 min
